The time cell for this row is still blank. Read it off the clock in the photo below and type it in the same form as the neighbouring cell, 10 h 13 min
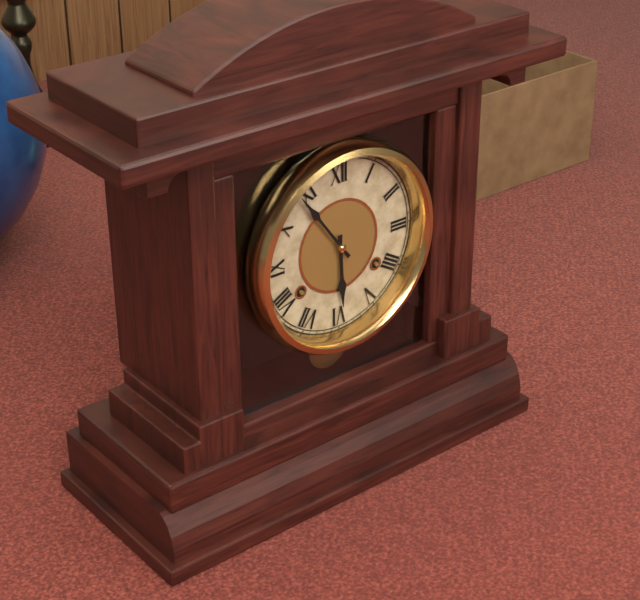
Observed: 5 h 54 min
